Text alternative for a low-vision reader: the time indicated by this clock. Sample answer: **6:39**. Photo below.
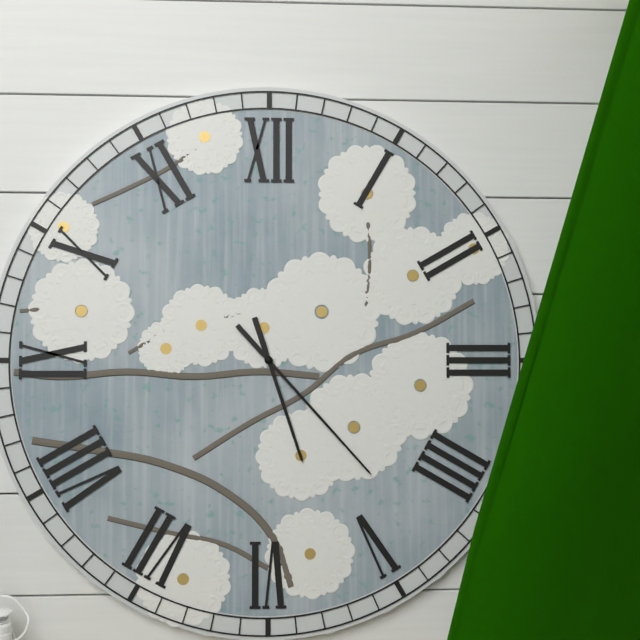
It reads **5:23**
